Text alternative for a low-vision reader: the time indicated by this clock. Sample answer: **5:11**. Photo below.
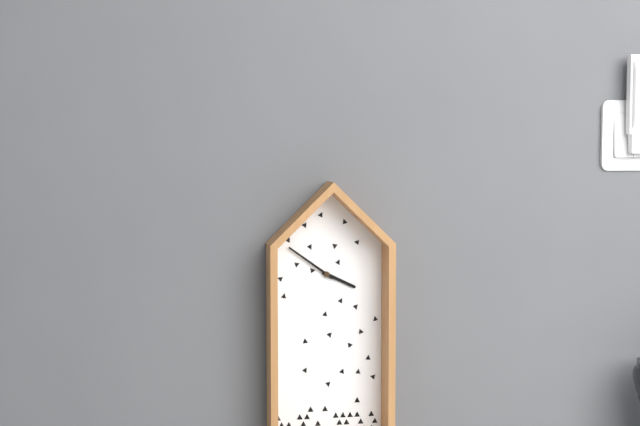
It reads **3:51**
